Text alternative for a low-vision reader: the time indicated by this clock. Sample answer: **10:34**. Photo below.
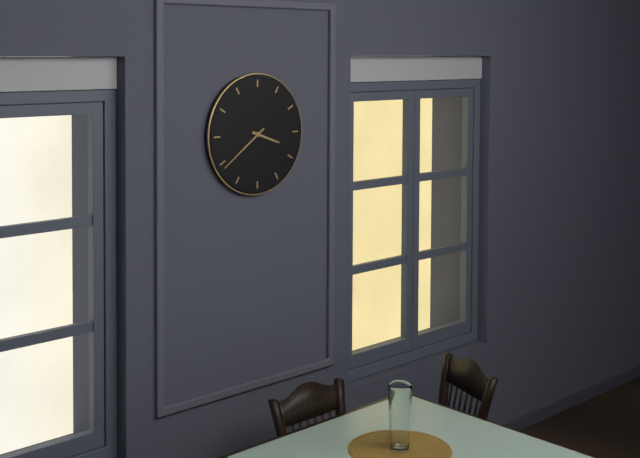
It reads **3:39**
